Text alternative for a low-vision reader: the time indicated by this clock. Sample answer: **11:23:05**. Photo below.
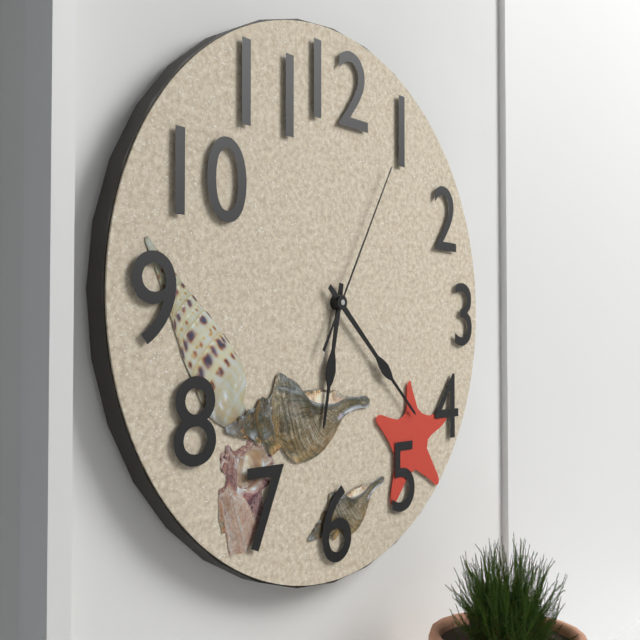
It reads **6:22:05**
